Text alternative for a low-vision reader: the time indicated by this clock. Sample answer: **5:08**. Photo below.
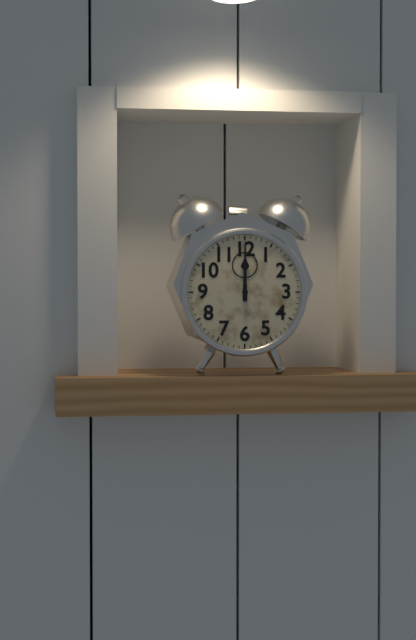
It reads **12:00**
